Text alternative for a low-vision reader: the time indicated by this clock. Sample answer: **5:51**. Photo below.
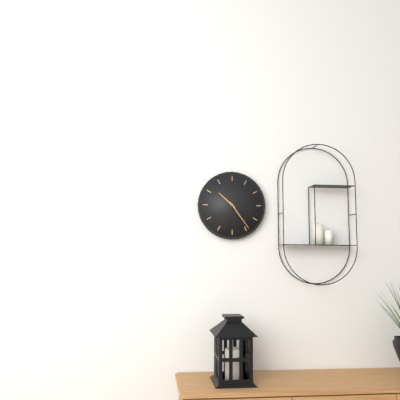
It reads **10:24**
